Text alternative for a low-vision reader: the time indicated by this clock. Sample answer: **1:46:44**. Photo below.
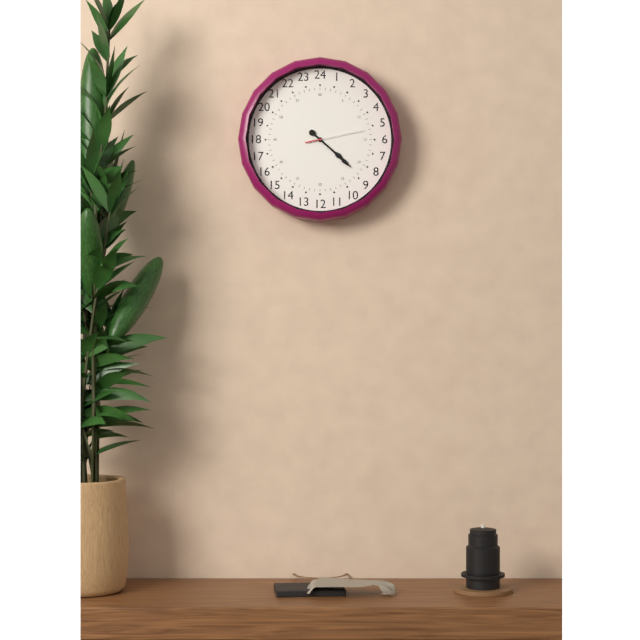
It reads **4:22:13**
